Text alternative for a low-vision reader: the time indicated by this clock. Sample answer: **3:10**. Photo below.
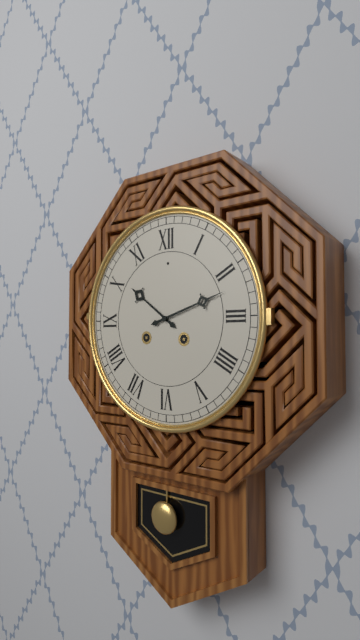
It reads **10:12**
